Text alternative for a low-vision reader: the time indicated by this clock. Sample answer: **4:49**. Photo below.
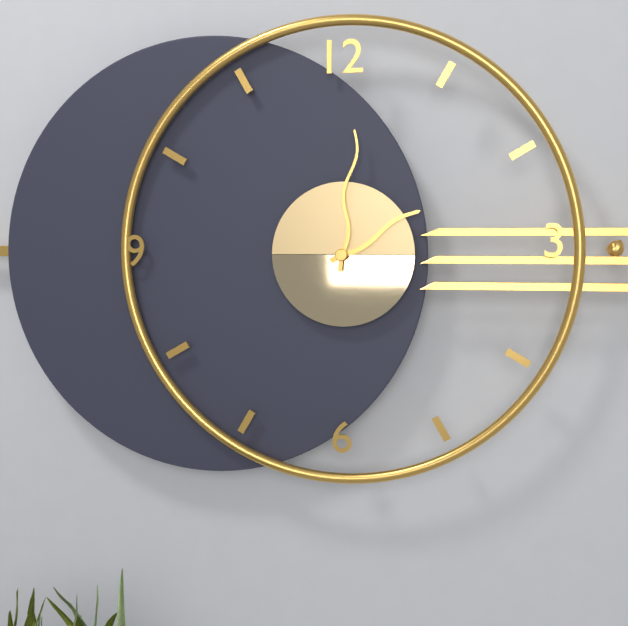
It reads **2:01**
